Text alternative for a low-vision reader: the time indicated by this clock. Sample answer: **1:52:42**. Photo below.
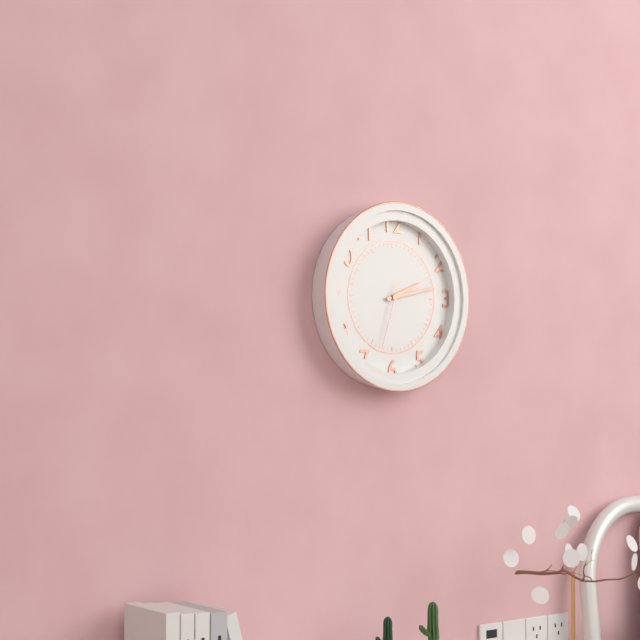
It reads **2:13:33**
